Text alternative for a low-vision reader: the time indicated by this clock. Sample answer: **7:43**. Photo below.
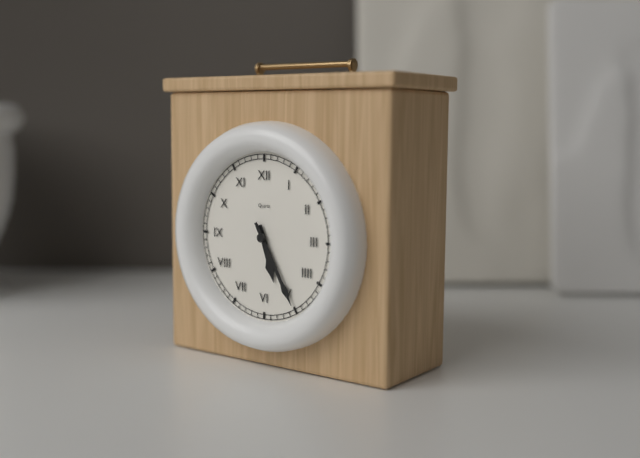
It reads **5:25**
